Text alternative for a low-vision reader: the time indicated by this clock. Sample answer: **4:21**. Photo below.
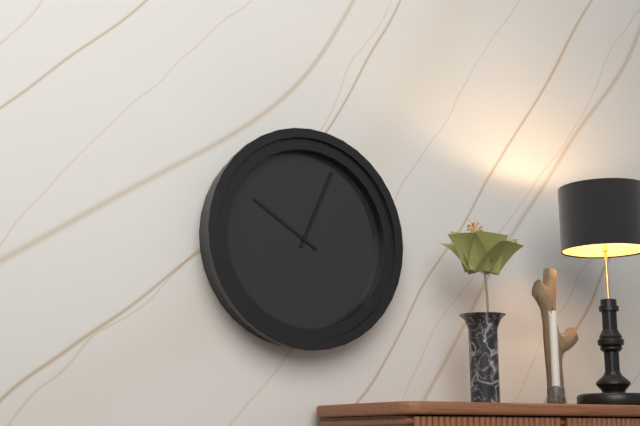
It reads **10:04**
